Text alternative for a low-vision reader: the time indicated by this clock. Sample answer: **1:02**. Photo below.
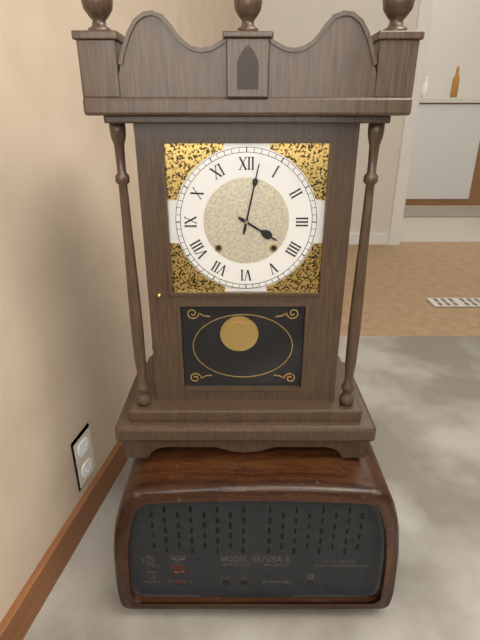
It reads **4:02**
